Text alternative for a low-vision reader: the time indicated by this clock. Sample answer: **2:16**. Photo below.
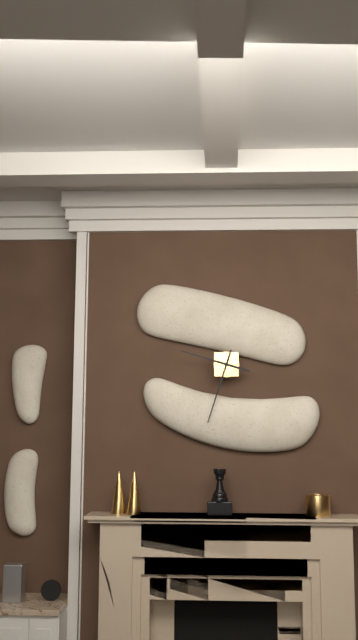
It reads **9:33**
